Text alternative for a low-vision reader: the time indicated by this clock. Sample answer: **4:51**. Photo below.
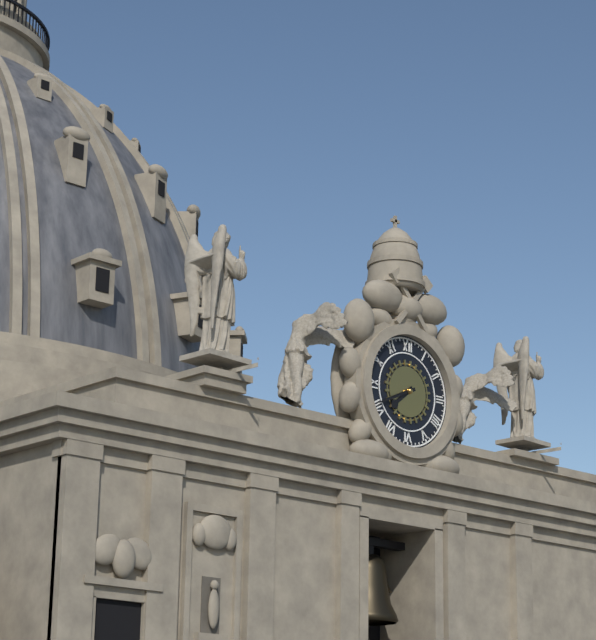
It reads **7:41**
